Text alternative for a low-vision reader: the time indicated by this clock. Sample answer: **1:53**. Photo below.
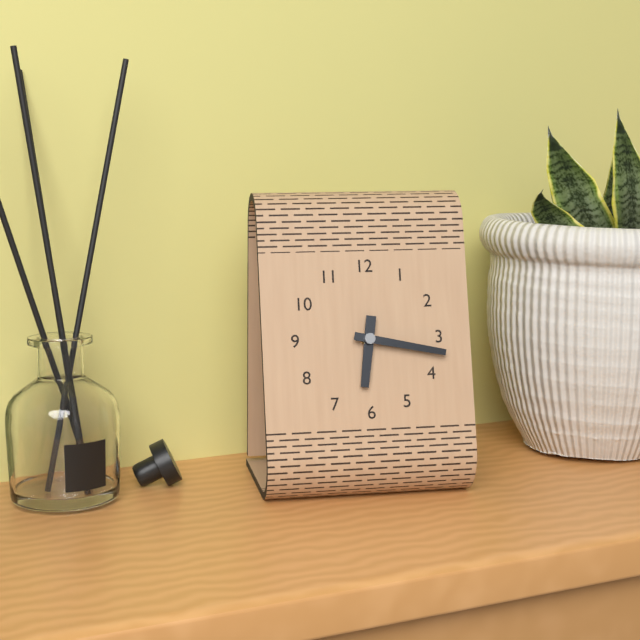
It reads **6:17**
